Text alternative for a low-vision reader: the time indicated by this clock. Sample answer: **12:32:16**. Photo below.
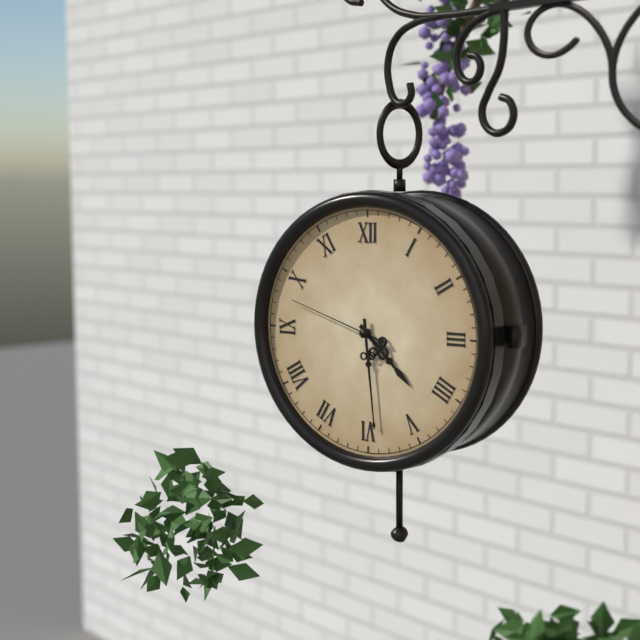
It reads **4:29:48**
